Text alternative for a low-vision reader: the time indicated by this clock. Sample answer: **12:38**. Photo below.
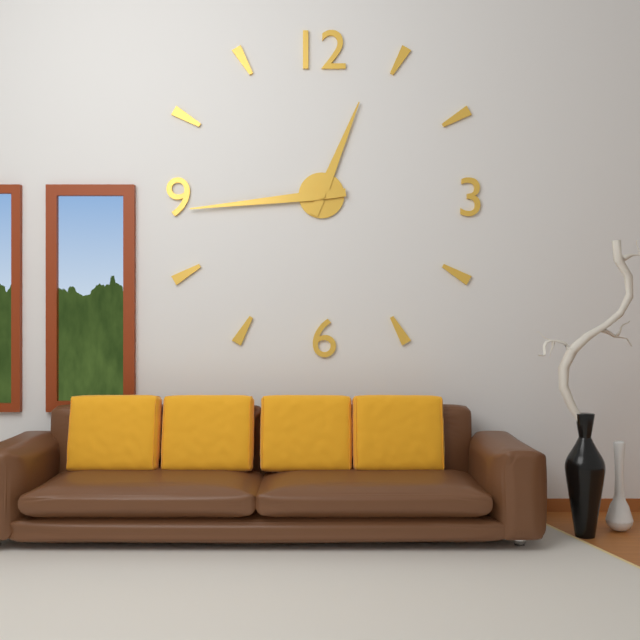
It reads **12:44**
